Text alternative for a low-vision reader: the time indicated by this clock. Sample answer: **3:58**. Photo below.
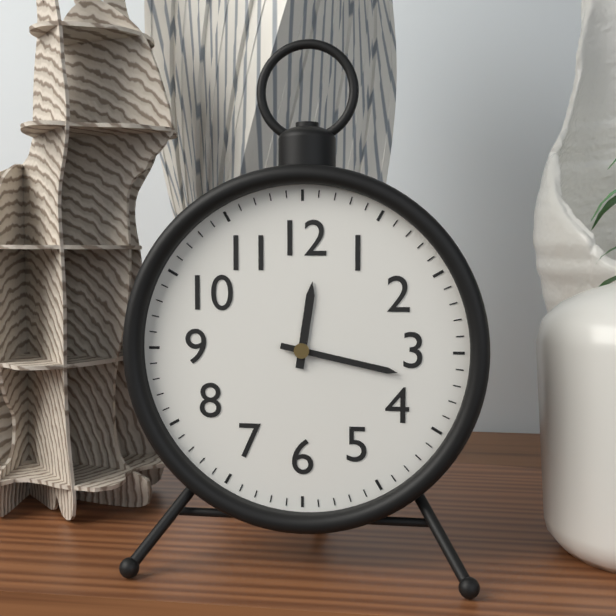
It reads **12:17**
